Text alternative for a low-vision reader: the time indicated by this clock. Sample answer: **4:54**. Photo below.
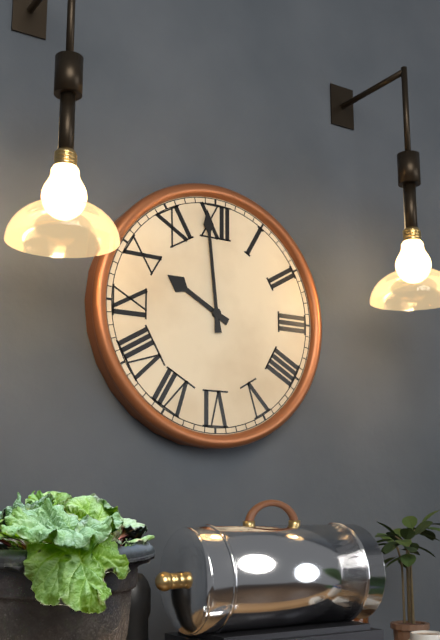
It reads **9:59**
